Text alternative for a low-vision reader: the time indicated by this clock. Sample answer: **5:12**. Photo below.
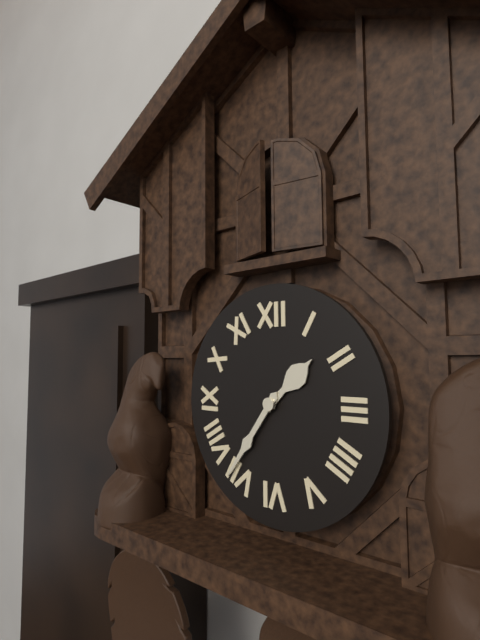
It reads **1:36**
